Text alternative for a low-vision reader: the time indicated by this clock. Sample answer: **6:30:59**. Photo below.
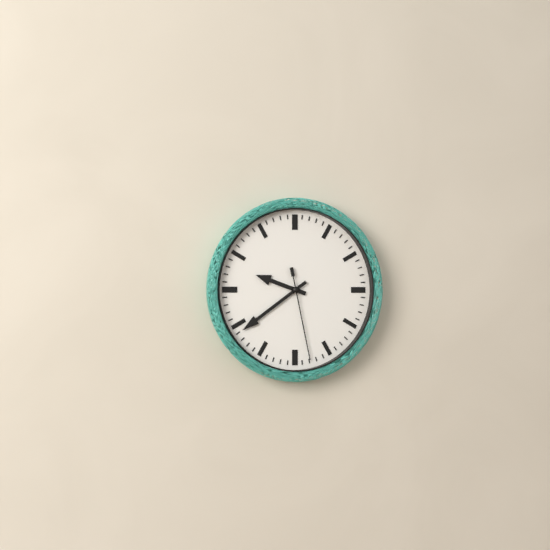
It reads **9:39:28**
